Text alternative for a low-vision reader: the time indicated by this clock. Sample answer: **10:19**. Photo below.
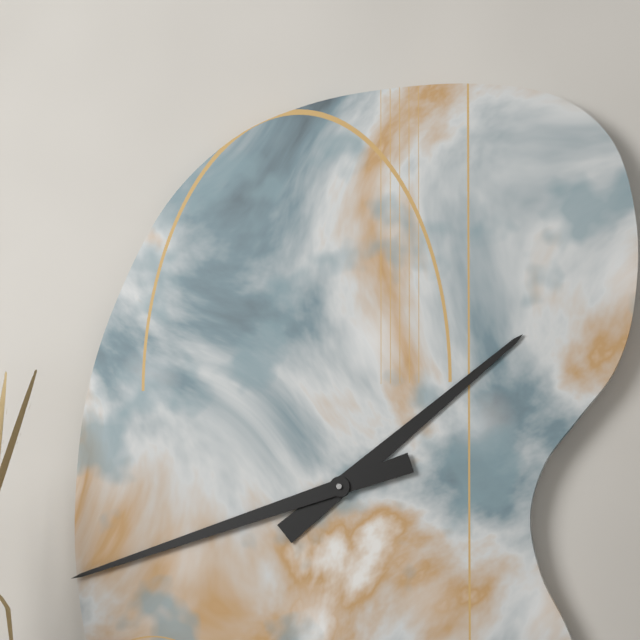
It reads **1:42**
